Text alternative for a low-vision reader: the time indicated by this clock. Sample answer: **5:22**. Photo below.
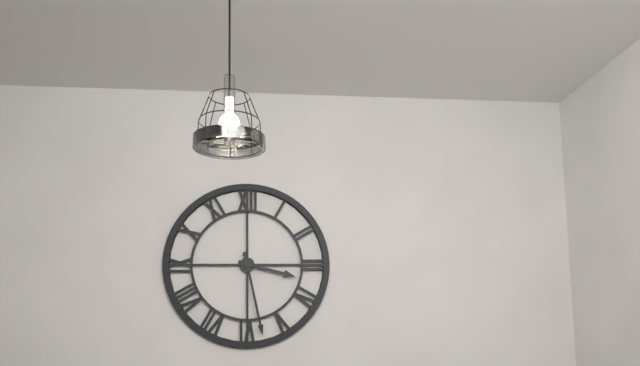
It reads **3:28**
